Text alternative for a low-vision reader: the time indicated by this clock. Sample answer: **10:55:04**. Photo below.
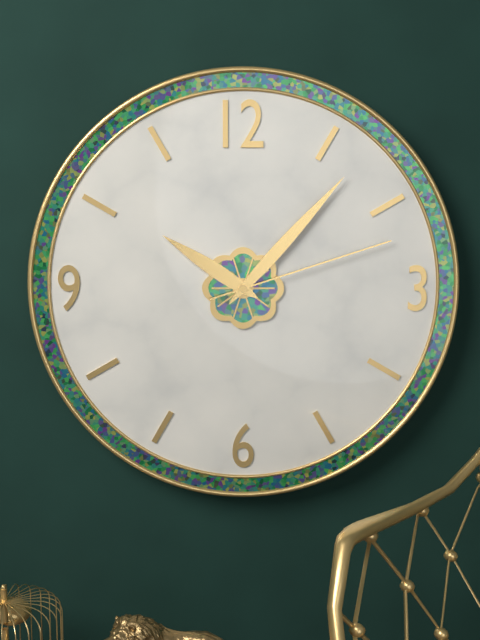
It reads **10:07:12**
